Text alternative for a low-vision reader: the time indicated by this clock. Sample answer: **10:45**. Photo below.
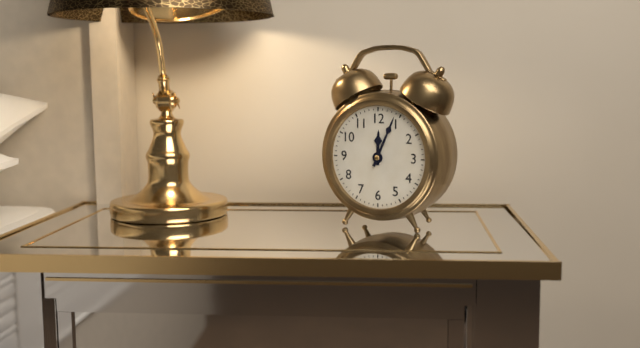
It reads **12:04**
